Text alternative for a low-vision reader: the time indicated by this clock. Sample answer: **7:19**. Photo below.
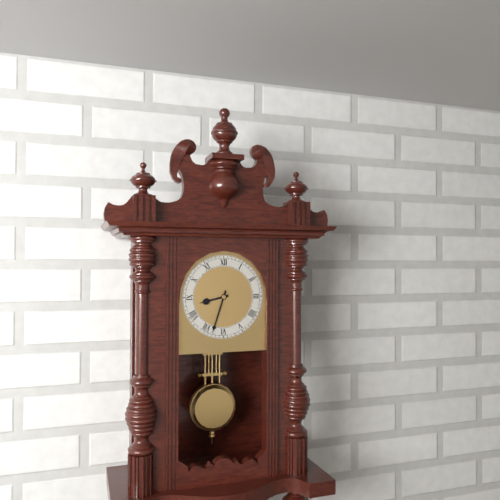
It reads **8:33**
